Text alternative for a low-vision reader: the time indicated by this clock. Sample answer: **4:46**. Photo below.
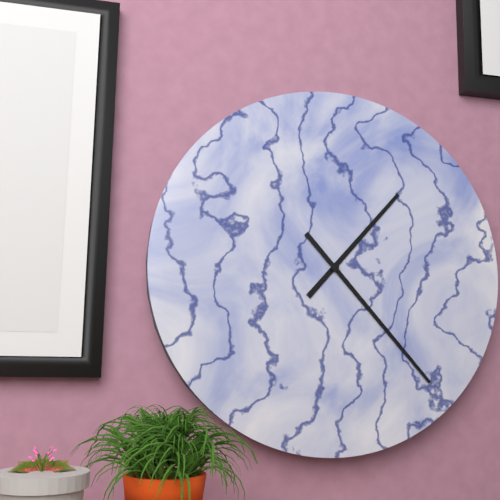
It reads **1:23**
